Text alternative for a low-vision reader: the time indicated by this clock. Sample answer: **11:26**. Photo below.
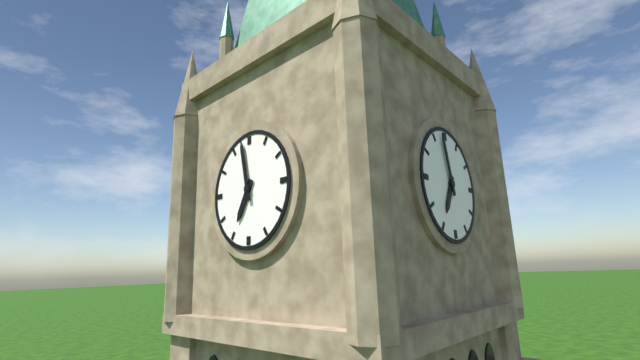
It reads **6:58**
